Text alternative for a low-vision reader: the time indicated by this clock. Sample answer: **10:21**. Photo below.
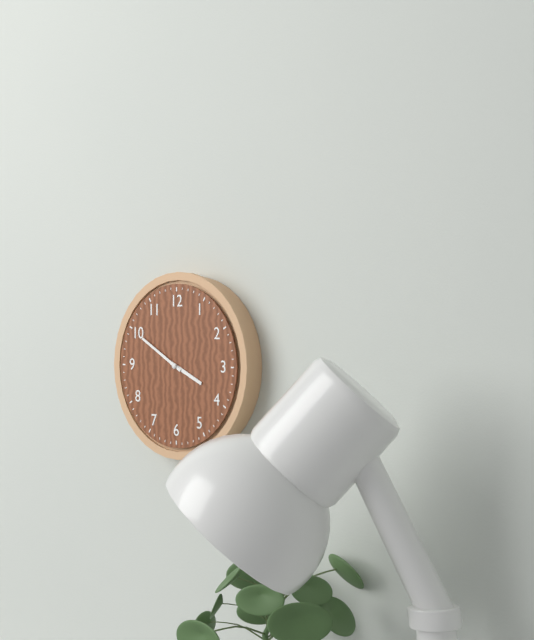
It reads **3:50**
